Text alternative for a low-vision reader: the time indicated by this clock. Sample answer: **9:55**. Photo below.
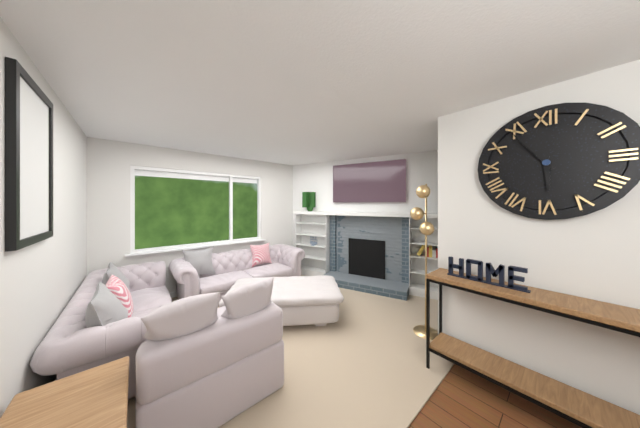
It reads **5:54**
